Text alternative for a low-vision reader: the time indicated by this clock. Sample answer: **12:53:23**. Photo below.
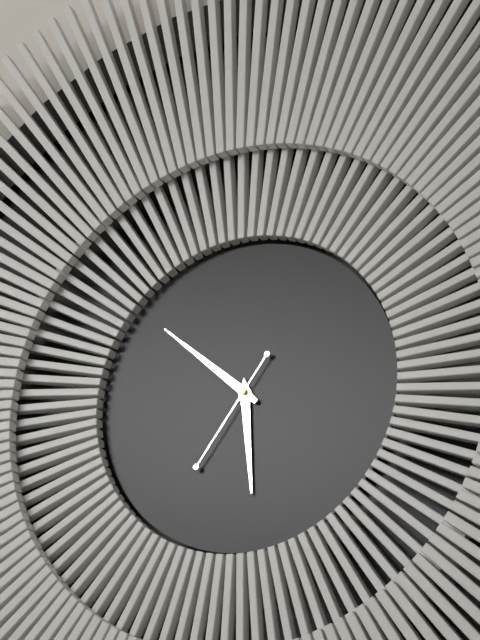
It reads **5:52:36**
